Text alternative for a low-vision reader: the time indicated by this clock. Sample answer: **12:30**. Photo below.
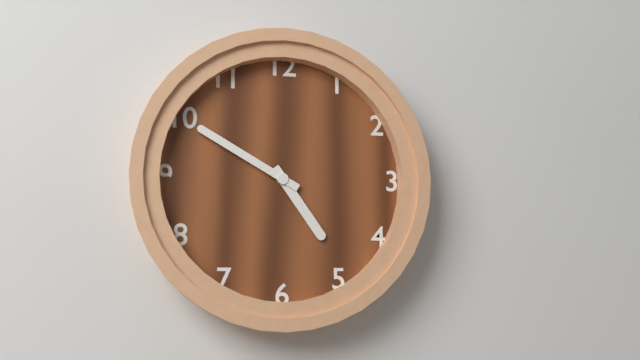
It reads **4:50**
